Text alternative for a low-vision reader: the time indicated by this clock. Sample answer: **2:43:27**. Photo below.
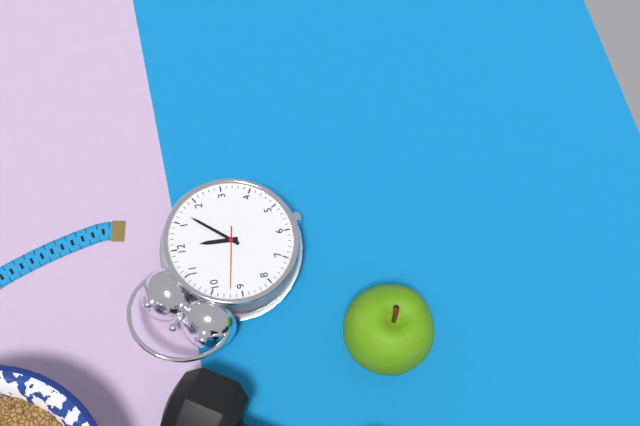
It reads **12:07:47**
